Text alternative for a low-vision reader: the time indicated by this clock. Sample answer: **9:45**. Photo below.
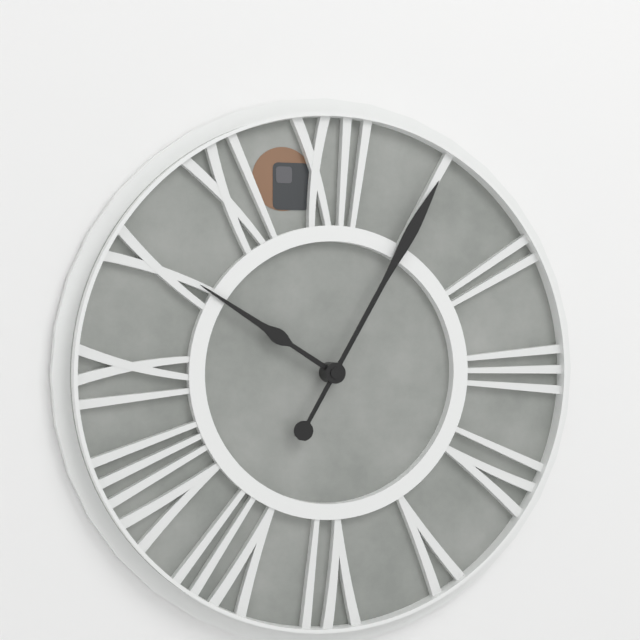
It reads **10:05**
